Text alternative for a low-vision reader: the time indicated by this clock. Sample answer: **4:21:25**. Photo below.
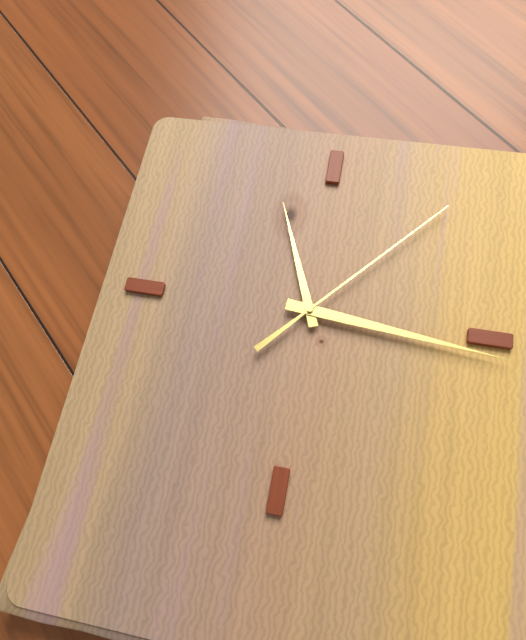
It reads **11:16:07**
